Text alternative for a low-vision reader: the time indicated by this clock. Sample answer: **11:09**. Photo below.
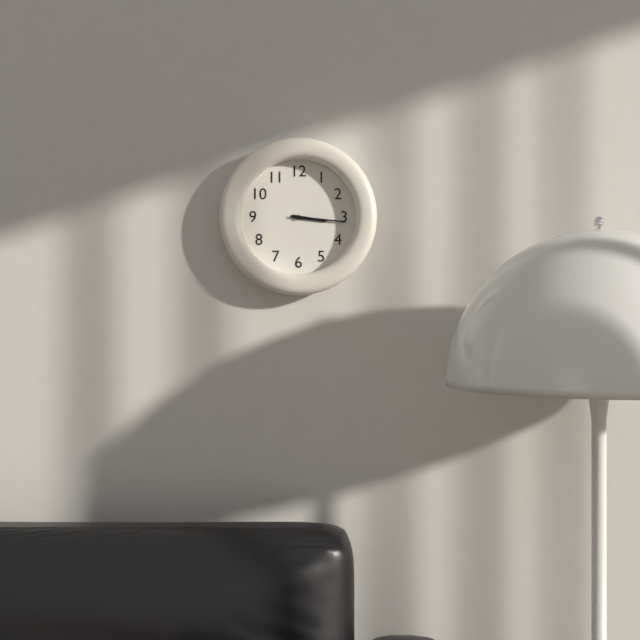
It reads **3:16**
